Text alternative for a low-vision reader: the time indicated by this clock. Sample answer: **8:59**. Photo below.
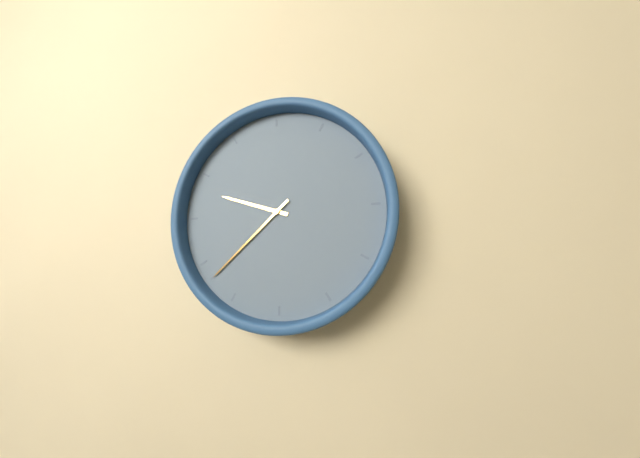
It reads **9:38**
